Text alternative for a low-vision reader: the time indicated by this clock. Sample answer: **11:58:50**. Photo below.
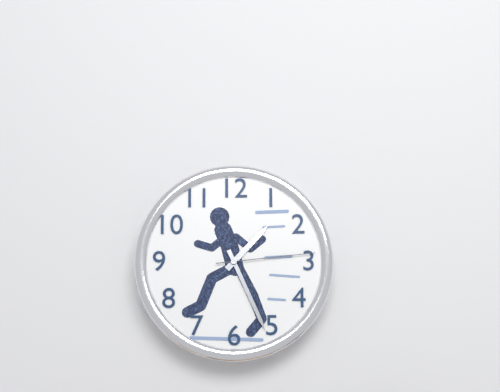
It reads **1:26:14**
